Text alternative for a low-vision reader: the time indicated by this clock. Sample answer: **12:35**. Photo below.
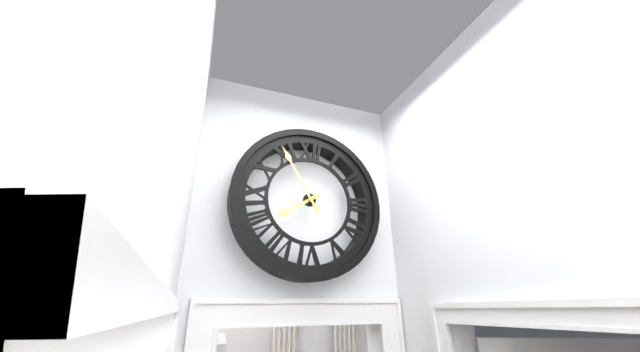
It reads **7:55**
